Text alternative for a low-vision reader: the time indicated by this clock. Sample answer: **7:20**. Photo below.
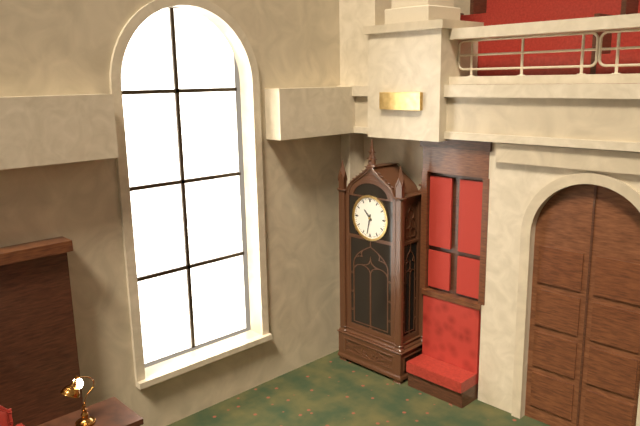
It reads **10:32**
